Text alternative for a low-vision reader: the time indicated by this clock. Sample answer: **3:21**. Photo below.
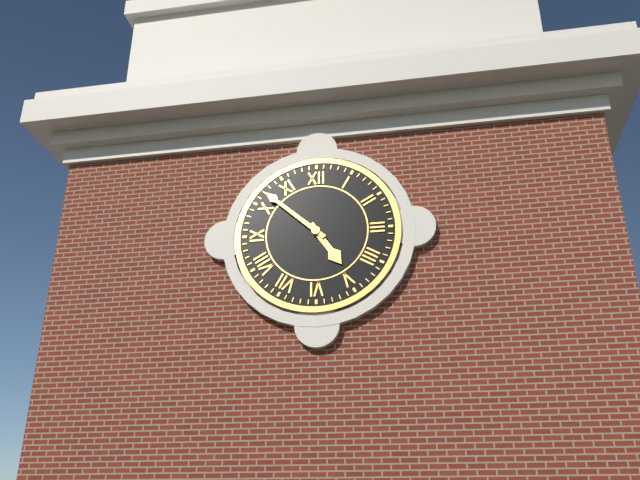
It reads **4:52**
